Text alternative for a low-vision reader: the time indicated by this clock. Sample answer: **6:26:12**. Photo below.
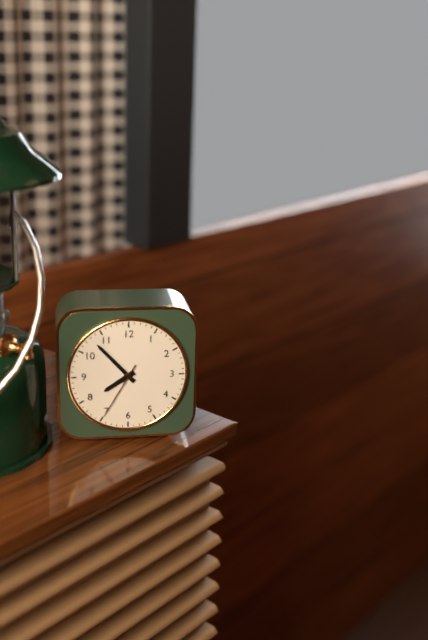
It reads **7:53:35**
